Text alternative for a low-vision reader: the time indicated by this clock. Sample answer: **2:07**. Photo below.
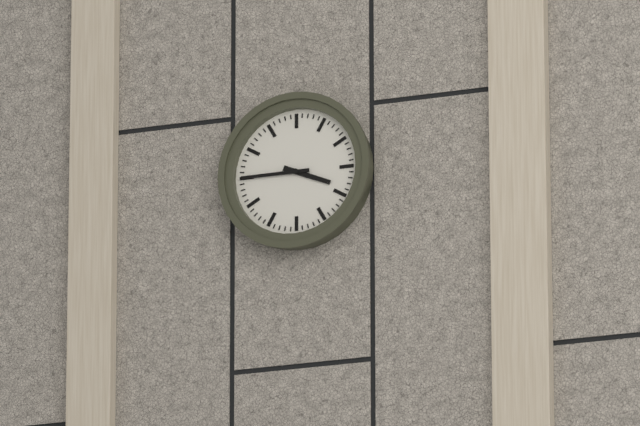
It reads **3:45**
